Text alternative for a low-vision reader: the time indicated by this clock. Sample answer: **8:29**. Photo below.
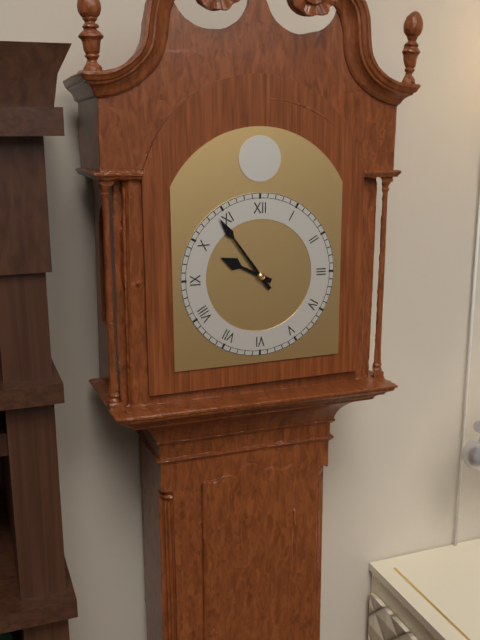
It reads **9:54**
